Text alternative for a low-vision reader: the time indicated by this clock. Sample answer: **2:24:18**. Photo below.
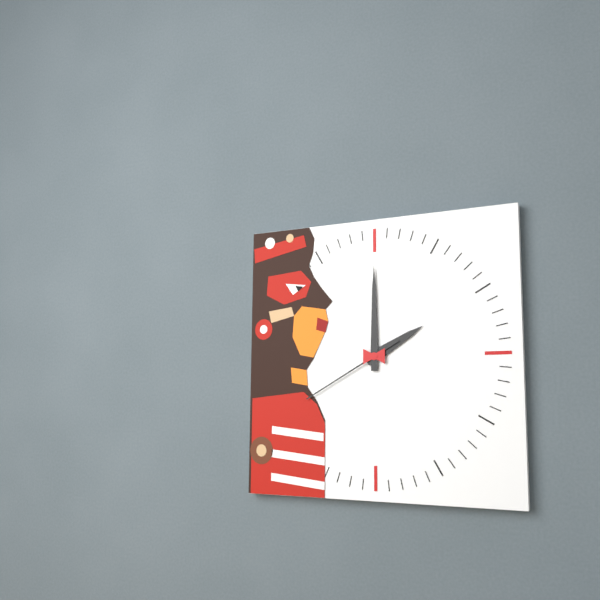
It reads **2:00:40**
